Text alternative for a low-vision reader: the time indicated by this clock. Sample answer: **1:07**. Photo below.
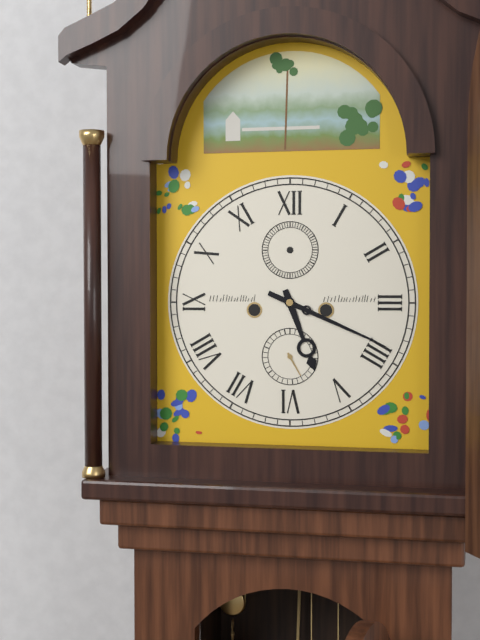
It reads **5:19**
